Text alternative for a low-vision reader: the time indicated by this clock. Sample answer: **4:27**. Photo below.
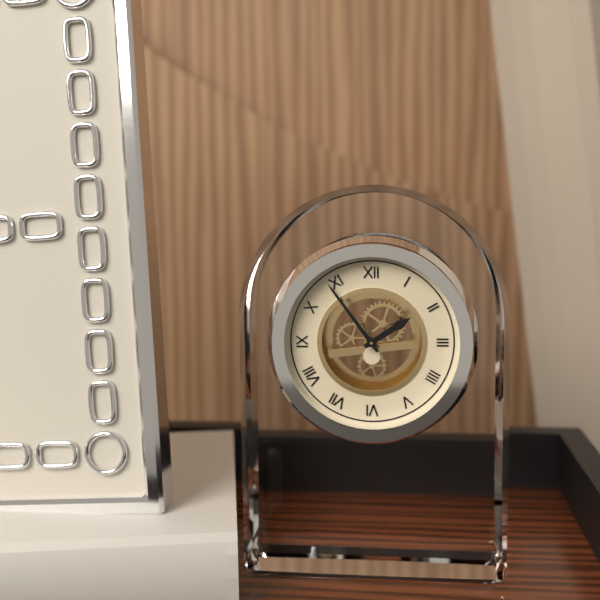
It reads **1:54**
